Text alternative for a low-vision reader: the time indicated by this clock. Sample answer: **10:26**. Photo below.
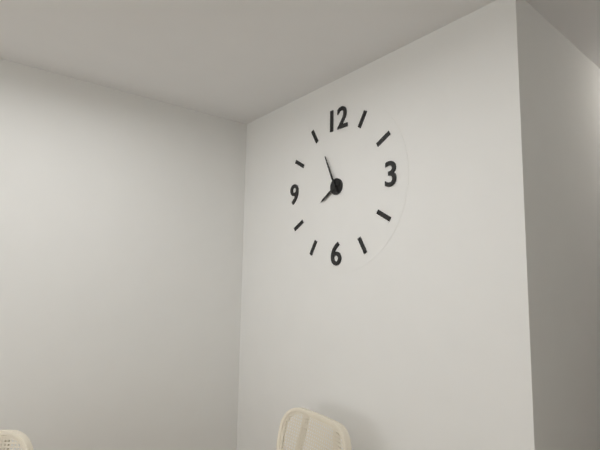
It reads **7:56**
